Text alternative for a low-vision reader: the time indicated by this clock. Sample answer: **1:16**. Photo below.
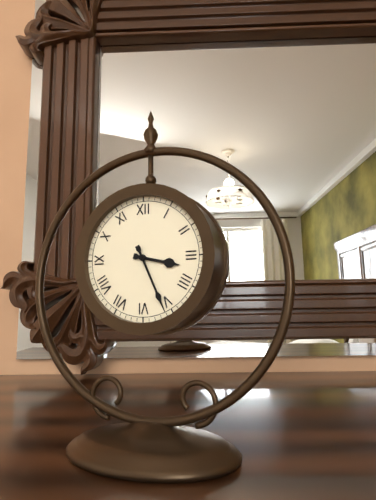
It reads **3:26**
